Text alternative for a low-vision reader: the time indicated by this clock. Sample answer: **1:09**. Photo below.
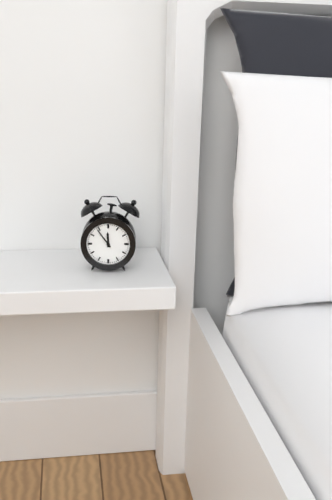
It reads **11:54**
